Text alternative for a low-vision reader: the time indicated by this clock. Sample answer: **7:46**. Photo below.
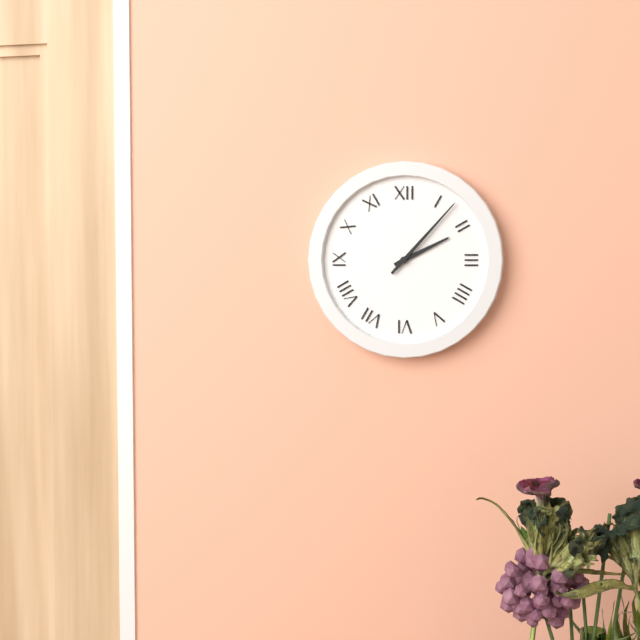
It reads **2:07**
